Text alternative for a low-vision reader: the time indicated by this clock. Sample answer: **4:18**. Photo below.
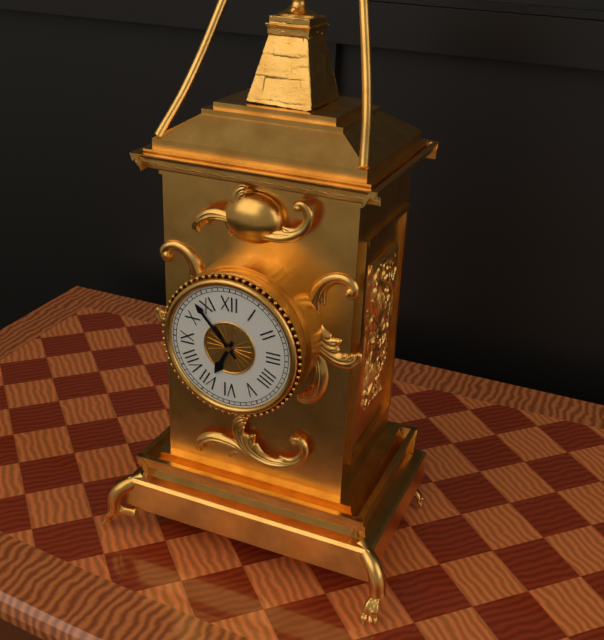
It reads **6:53**
